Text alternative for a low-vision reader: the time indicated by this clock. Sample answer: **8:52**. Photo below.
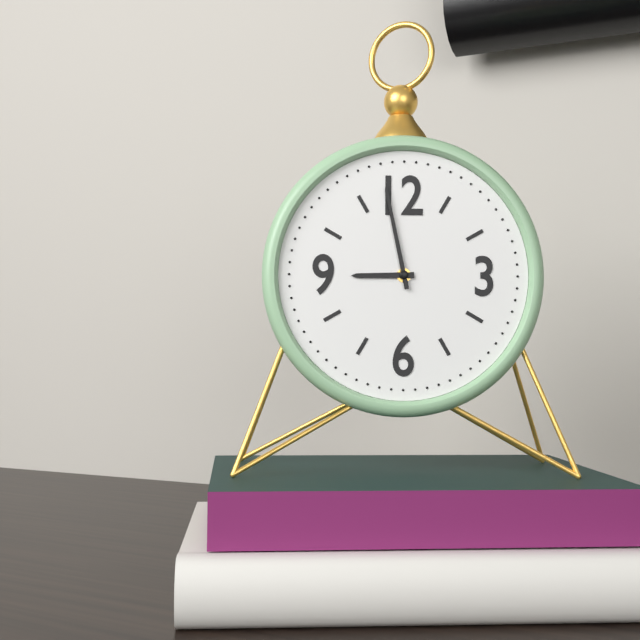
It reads **8:58**
